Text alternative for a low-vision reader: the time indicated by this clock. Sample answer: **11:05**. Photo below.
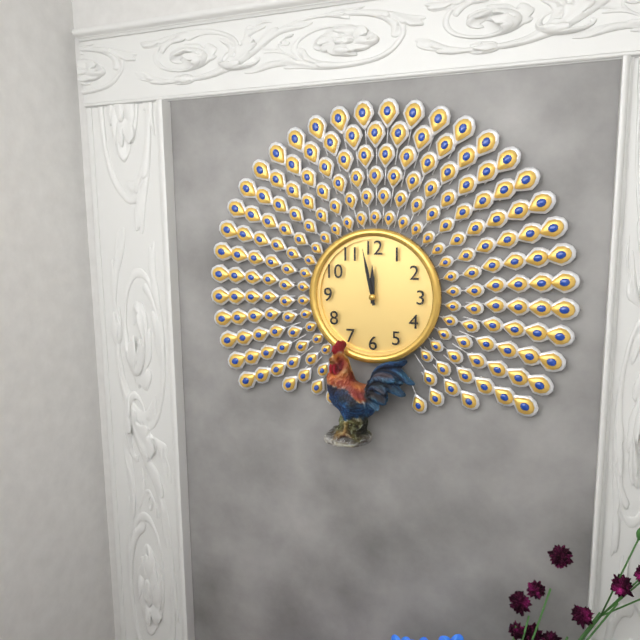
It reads **11:58**
